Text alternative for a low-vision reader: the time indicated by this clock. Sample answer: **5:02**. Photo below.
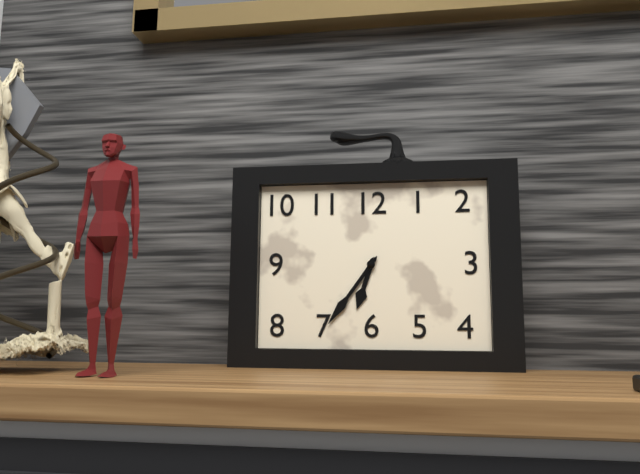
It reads **6:36**
